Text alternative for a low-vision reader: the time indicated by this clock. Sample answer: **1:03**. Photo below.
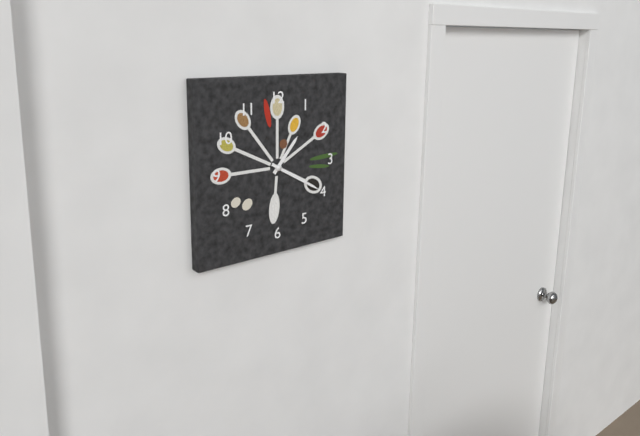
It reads **1:20**
